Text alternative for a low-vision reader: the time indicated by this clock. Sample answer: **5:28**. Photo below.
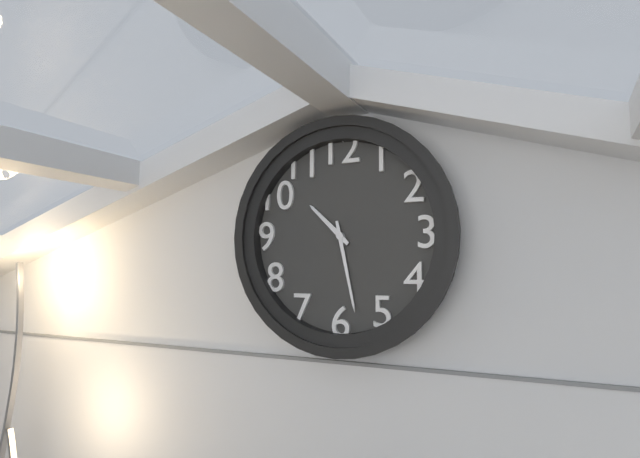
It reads **10:28**
